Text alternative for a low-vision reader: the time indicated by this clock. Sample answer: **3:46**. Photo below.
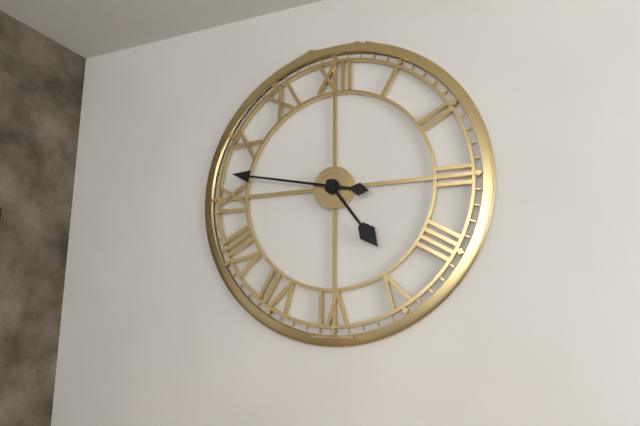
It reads **4:47**
